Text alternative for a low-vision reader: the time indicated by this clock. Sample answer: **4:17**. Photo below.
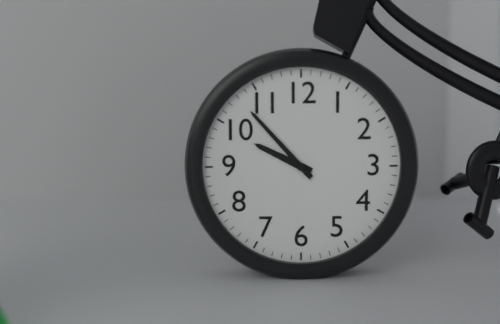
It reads **9:53**
